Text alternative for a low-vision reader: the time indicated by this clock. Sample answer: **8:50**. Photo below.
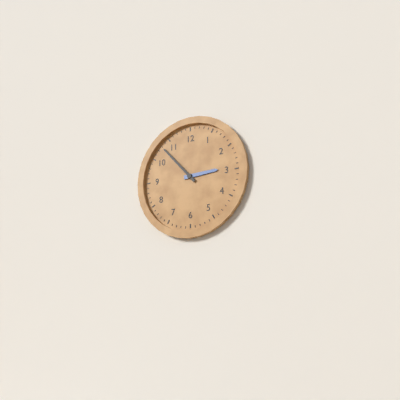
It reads **2:53**
